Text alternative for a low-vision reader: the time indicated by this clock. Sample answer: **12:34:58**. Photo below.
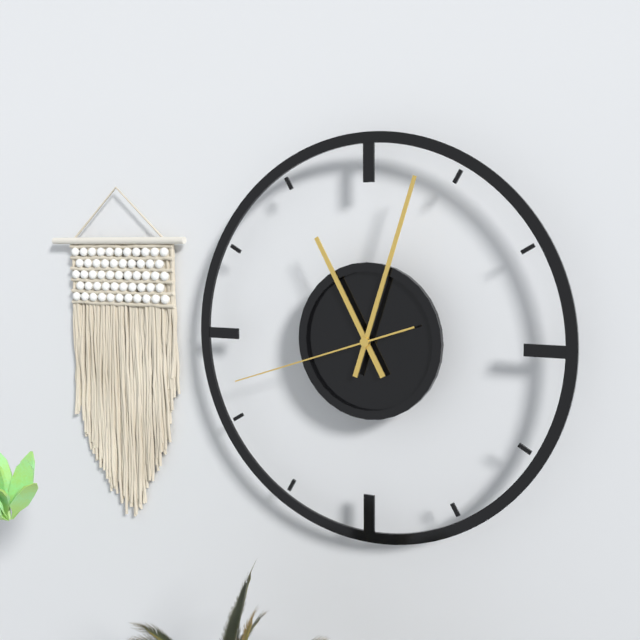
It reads **11:03:42**
